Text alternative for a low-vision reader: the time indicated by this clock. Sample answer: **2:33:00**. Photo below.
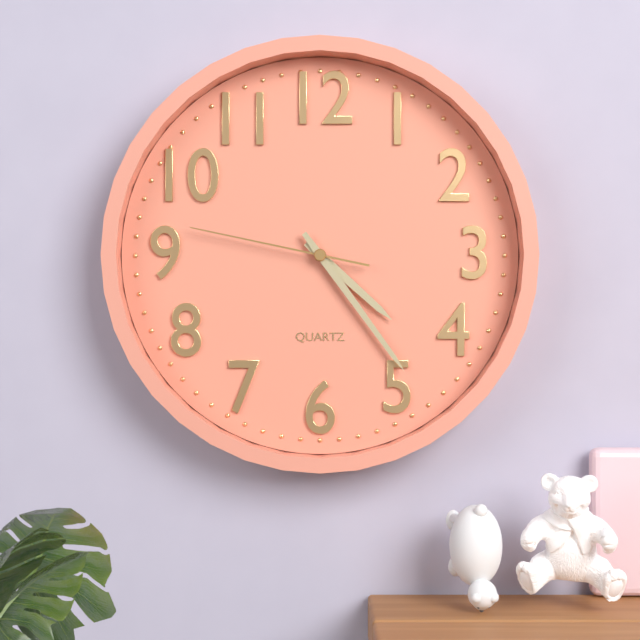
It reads **4:24:47**
